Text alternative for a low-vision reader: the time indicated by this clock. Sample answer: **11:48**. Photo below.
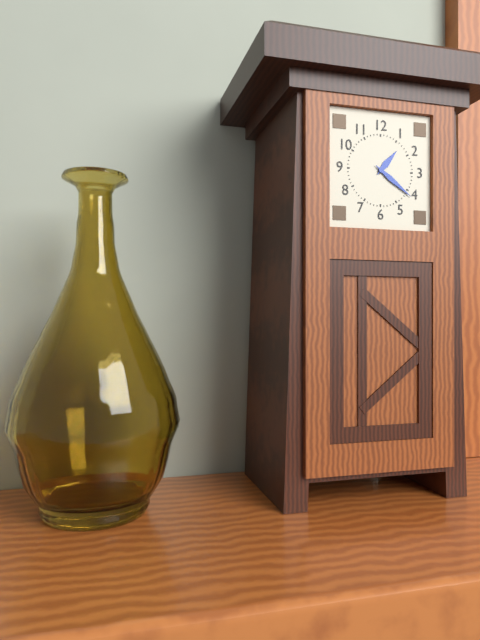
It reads **1:21**
